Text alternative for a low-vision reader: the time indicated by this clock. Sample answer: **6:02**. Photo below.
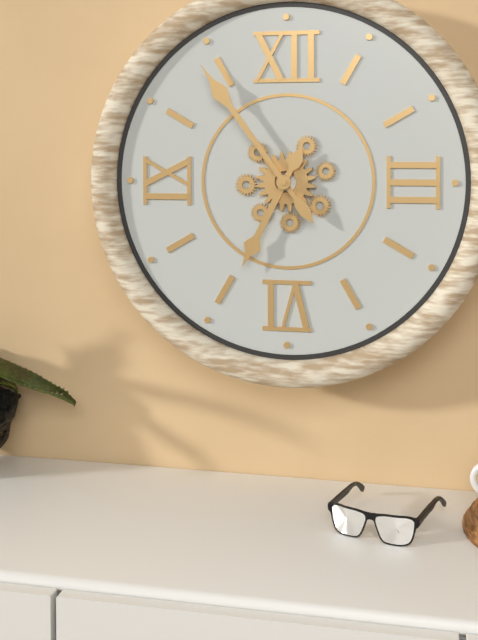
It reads **6:54**
